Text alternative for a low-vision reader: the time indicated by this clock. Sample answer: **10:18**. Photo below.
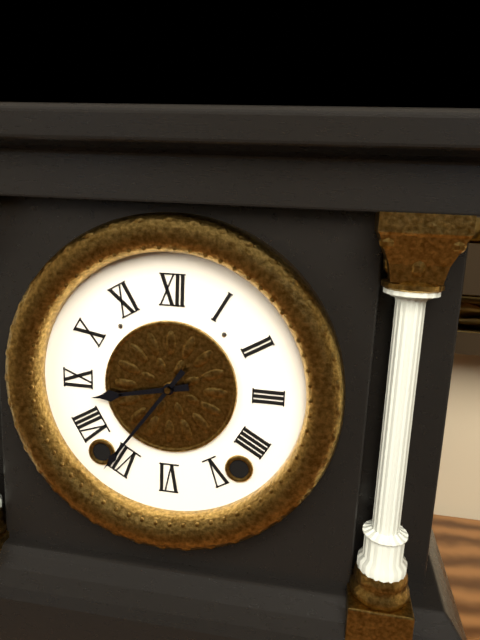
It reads **8:36**
